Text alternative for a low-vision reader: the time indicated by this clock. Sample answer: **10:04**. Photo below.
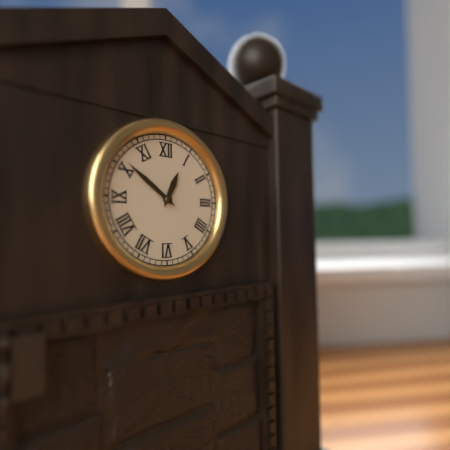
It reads **12:51**
